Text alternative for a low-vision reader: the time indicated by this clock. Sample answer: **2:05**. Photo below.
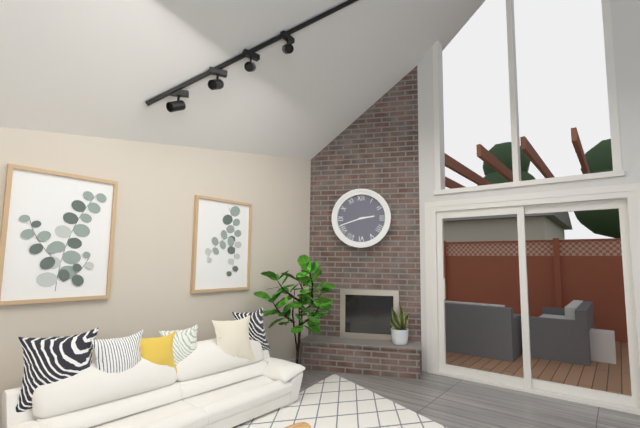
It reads **2:42**
